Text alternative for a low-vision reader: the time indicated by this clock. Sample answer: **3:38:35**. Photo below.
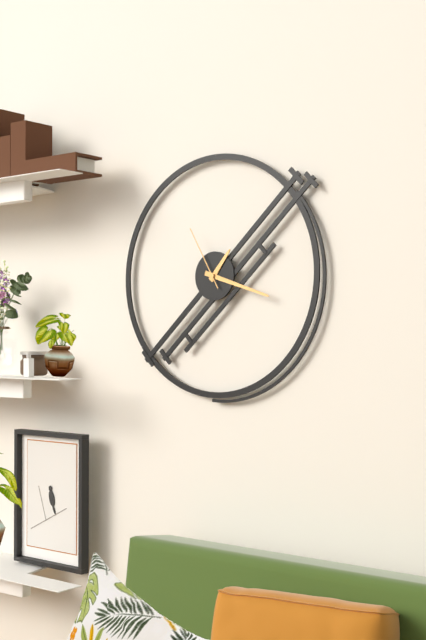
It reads **1:18:55**
